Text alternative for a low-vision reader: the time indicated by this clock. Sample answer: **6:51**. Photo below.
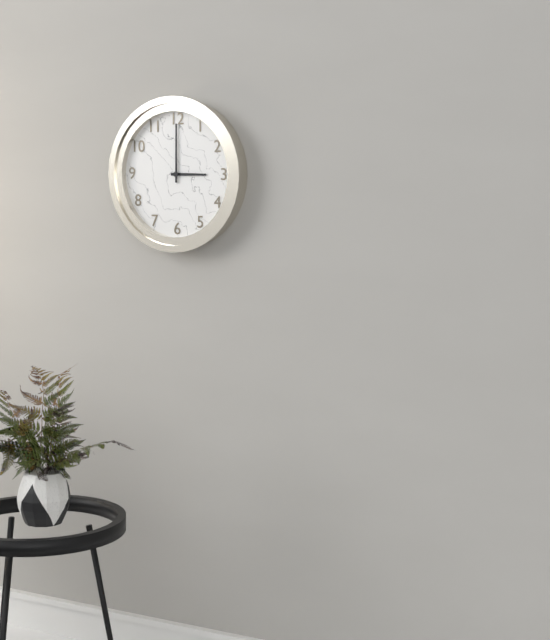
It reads **3:00**
